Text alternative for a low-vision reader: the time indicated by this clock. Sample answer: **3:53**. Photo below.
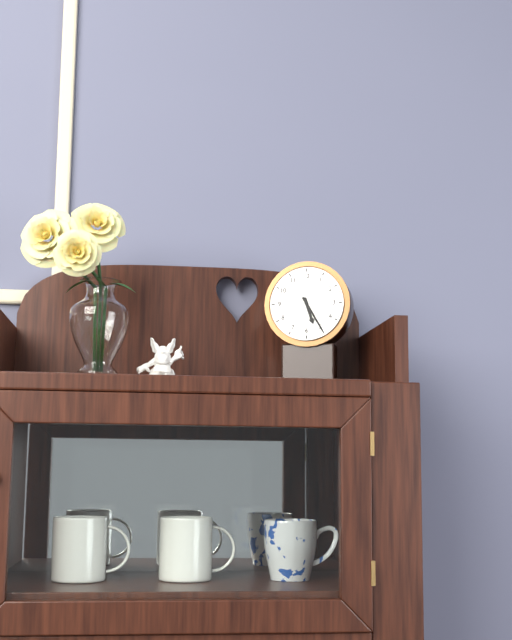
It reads **5:25**
